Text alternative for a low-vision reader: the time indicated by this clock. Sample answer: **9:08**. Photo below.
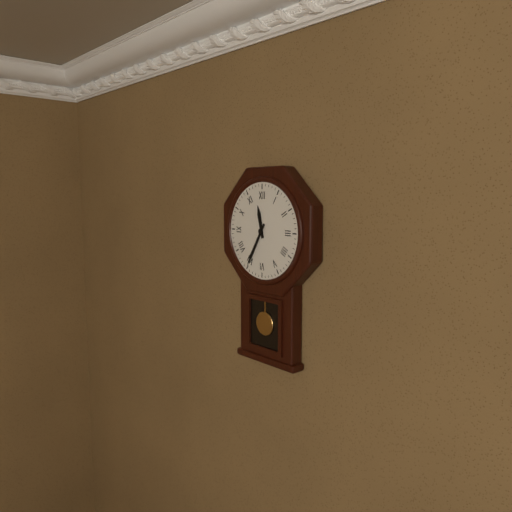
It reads **11:35**
